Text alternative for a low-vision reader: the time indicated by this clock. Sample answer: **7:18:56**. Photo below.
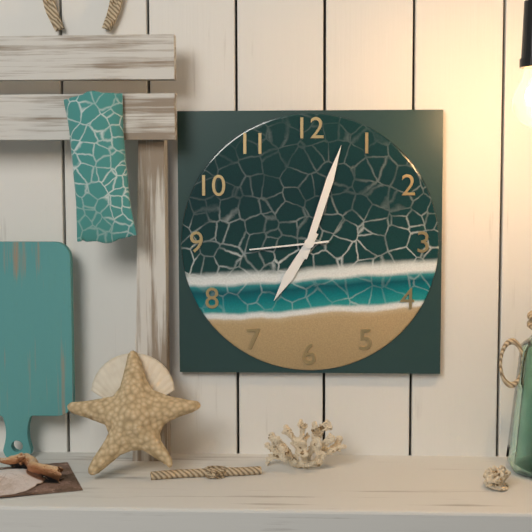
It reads **7:03:44**
